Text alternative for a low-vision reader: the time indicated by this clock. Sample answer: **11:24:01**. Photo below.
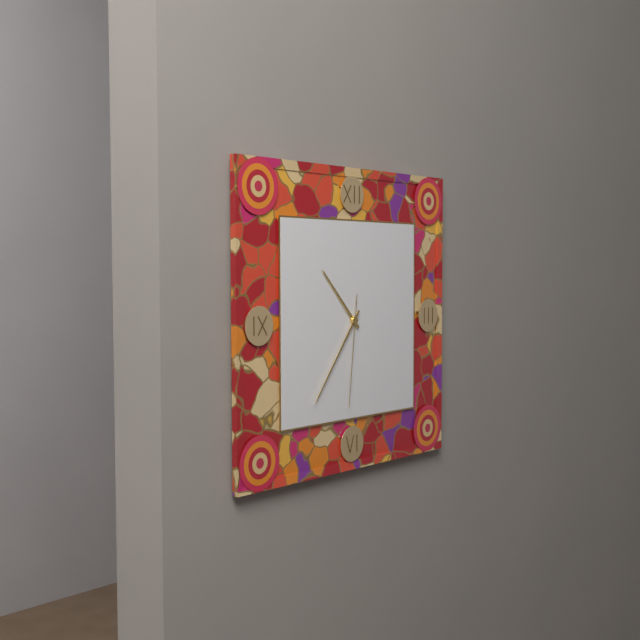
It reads **10:36:31**
